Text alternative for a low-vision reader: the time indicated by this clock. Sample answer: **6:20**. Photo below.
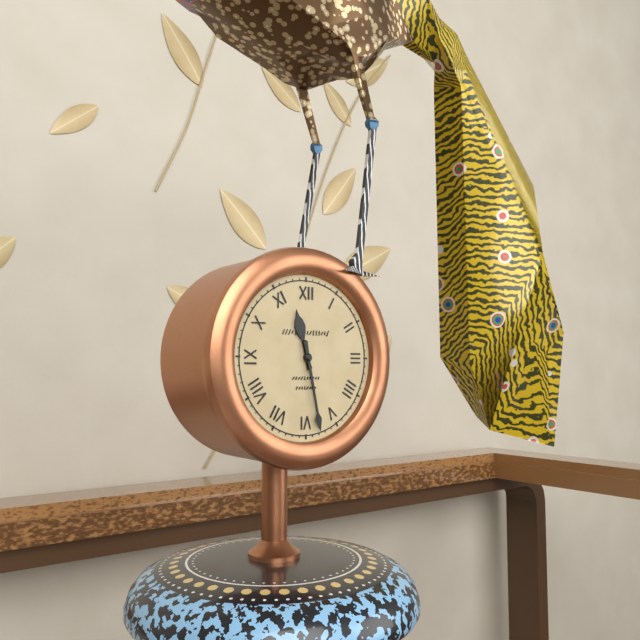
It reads **11:28**
